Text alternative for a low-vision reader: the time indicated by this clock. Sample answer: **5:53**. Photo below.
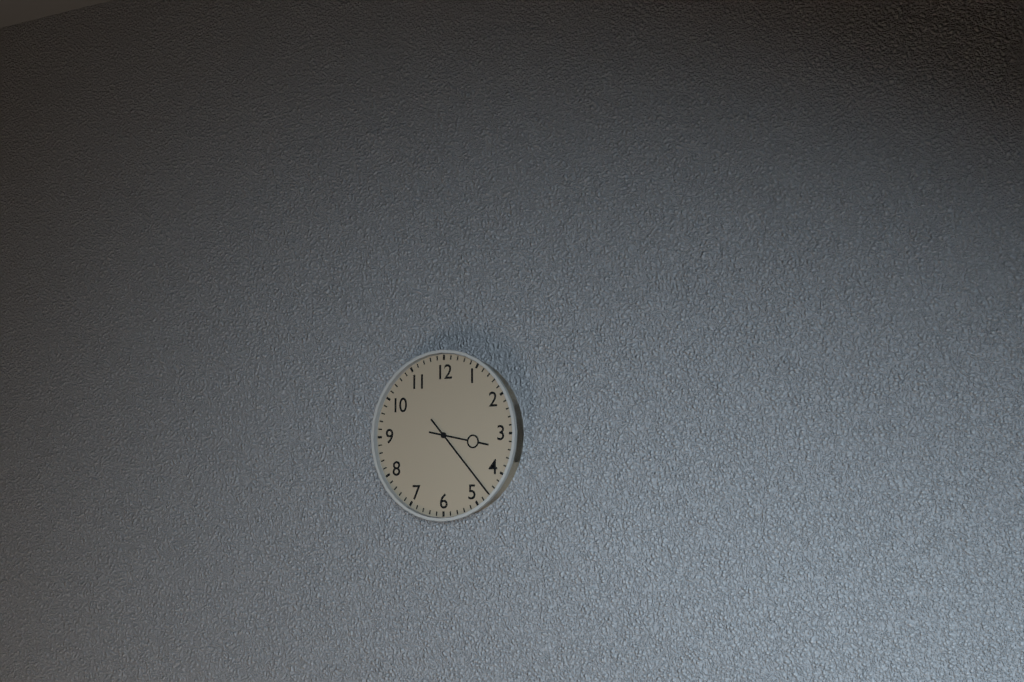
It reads **3:23**
